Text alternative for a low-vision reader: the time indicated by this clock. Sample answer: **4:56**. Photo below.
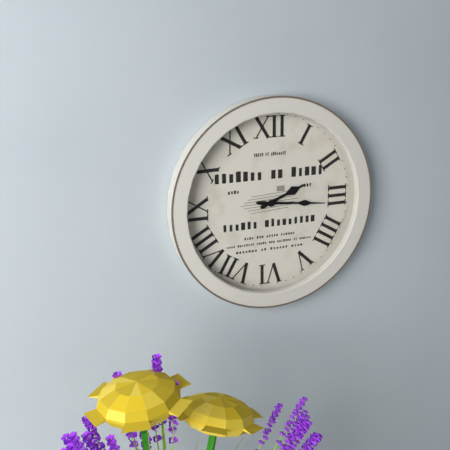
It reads **2:16**
